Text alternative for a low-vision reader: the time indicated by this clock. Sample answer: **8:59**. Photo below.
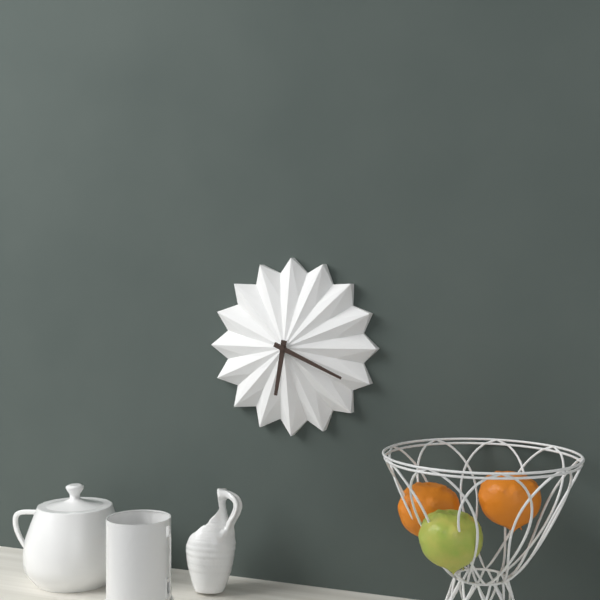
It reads **6:19**
